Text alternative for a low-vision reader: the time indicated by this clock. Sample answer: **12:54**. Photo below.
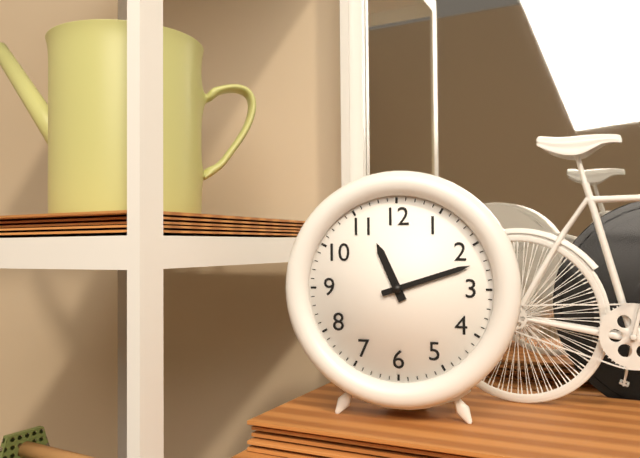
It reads **11:12**
